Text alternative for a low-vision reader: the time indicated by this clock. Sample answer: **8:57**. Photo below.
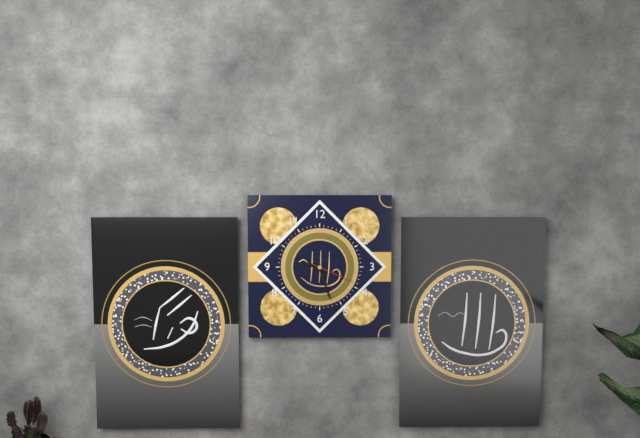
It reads **9:27**
